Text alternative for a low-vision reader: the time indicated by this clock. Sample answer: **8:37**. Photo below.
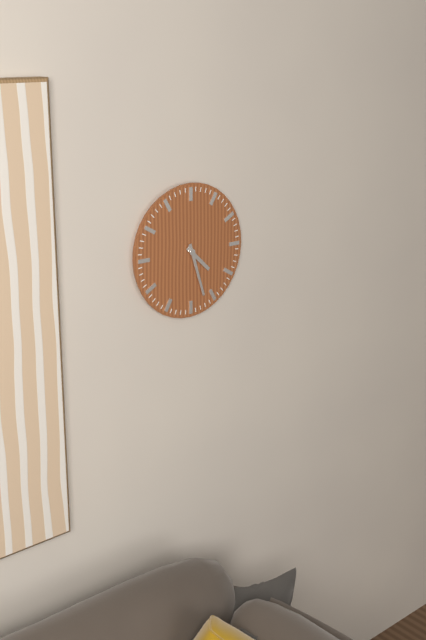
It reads **4:27**
